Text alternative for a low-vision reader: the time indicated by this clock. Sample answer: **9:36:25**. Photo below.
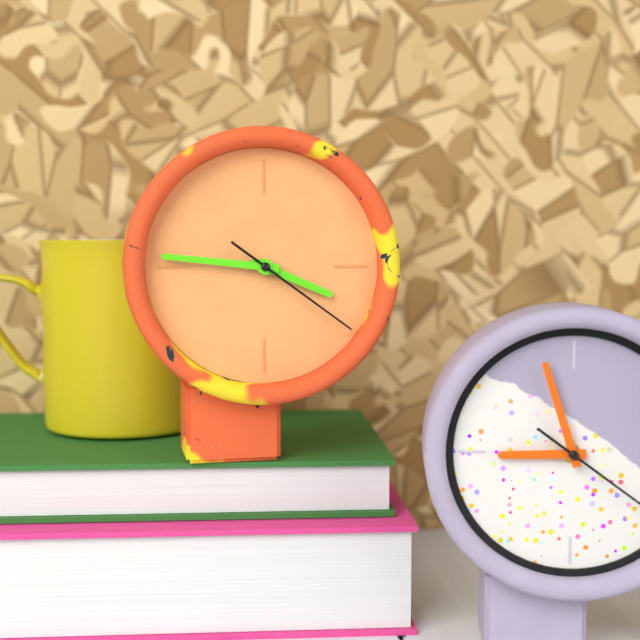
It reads **3:46:21**
